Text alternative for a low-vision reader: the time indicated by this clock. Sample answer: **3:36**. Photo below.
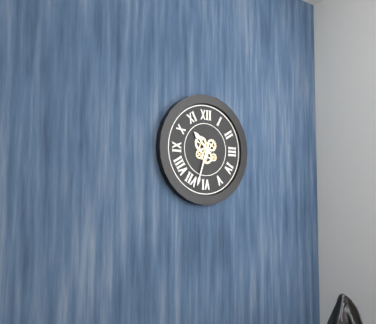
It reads **10:33**
